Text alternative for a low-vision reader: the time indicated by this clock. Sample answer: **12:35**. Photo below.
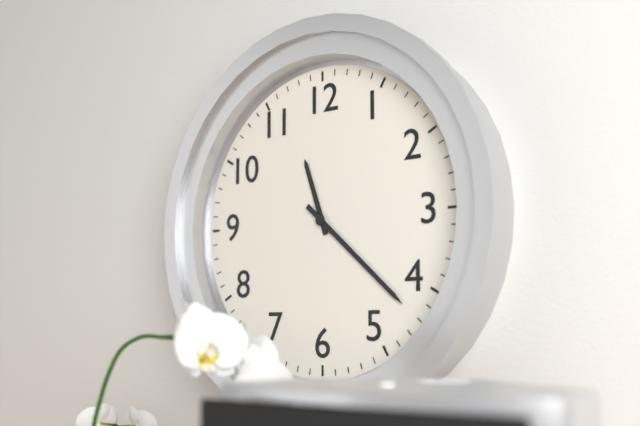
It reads **11:22**
